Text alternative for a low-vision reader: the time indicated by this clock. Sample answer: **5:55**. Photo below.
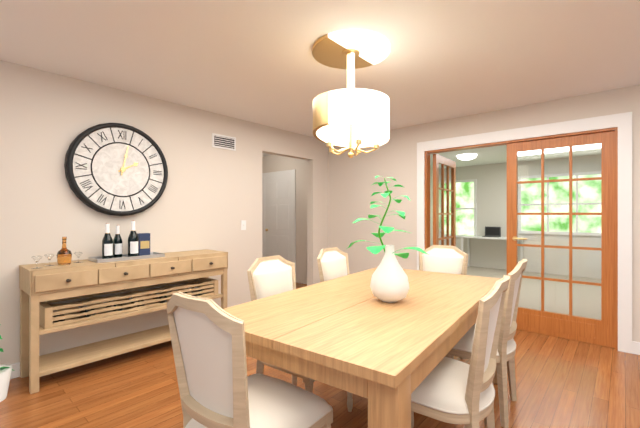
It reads **2:02**
